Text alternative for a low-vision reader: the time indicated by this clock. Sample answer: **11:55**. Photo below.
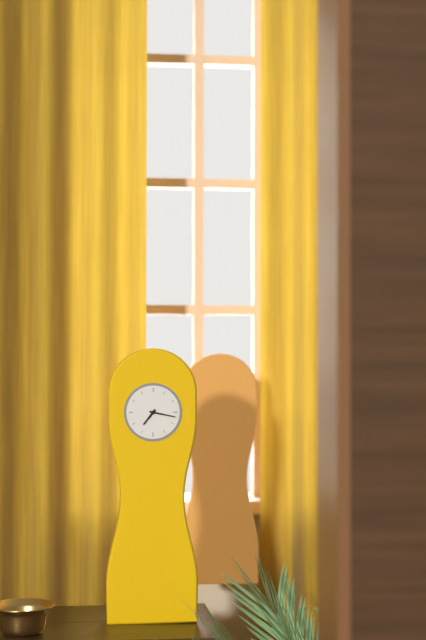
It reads **7:17**
